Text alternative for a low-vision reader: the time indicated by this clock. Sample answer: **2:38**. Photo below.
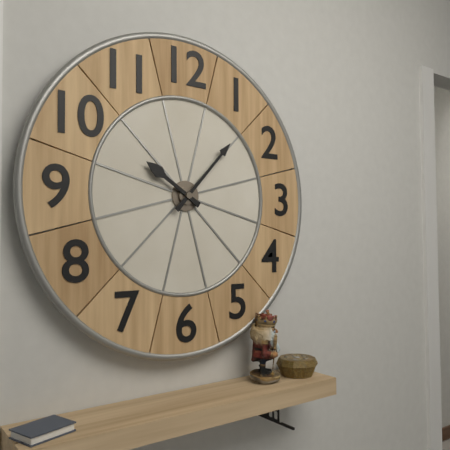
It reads **10:07**
